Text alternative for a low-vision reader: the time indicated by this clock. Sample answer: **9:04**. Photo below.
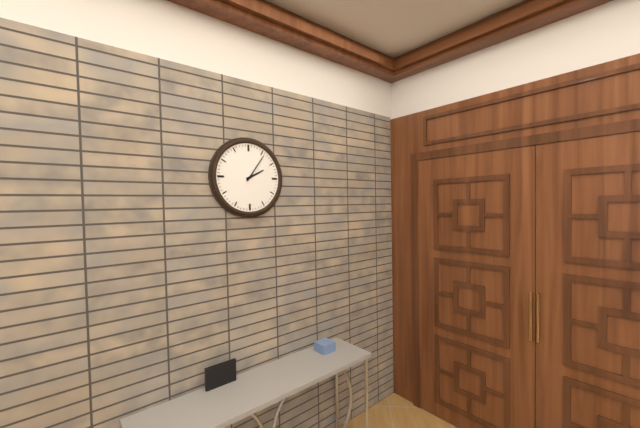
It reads **2:06**
